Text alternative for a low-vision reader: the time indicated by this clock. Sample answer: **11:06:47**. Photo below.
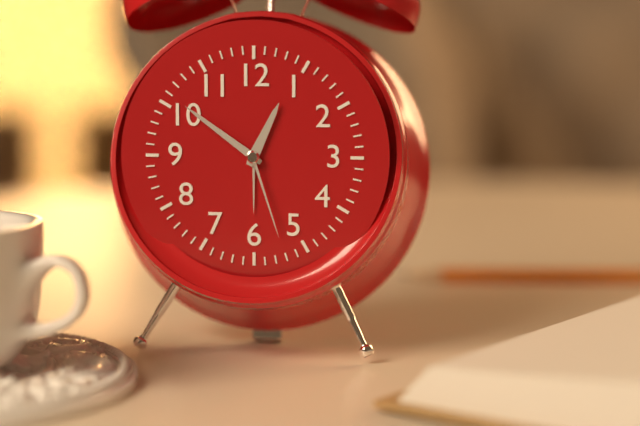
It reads **12:51:27**
